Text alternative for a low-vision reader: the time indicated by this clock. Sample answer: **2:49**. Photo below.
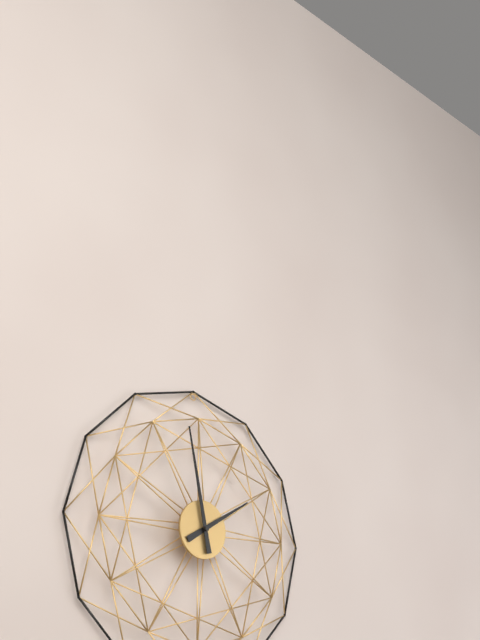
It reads **1:58**
